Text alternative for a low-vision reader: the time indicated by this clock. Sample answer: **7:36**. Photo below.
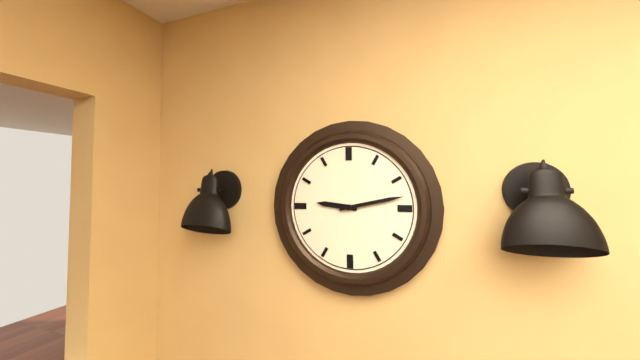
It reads **9:13**
